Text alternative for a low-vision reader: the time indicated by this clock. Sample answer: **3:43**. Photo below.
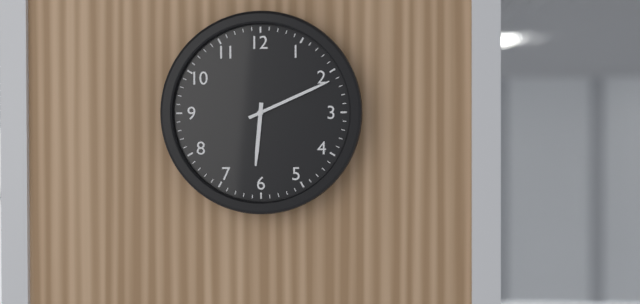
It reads **6:11**
